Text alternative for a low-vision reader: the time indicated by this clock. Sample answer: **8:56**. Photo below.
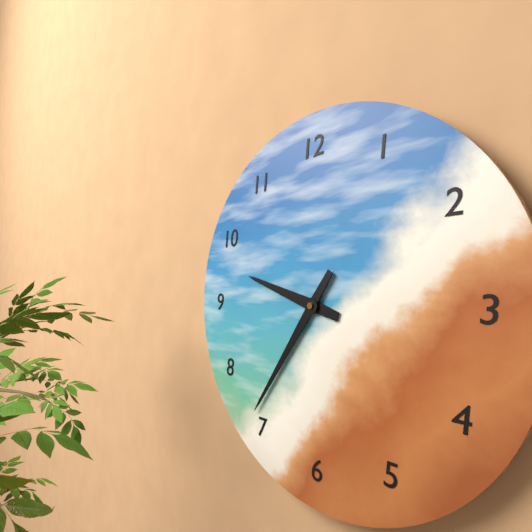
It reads **9:36**
